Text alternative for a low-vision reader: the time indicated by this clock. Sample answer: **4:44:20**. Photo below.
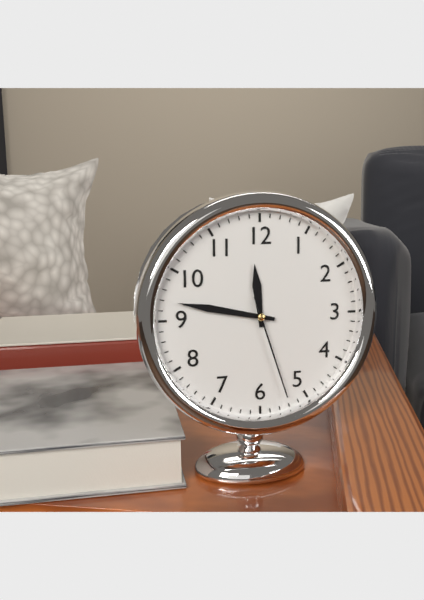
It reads **11:47:27**
